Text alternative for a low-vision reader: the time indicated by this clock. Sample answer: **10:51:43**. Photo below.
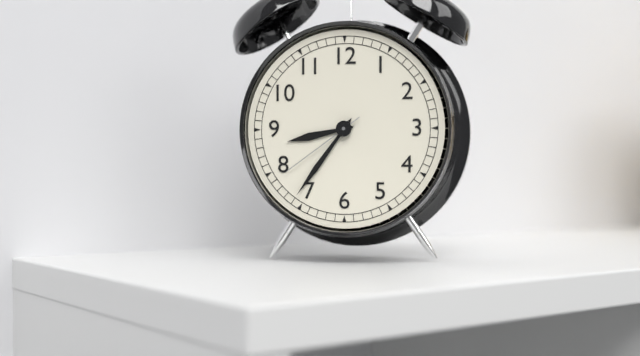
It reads **8:36:39**
